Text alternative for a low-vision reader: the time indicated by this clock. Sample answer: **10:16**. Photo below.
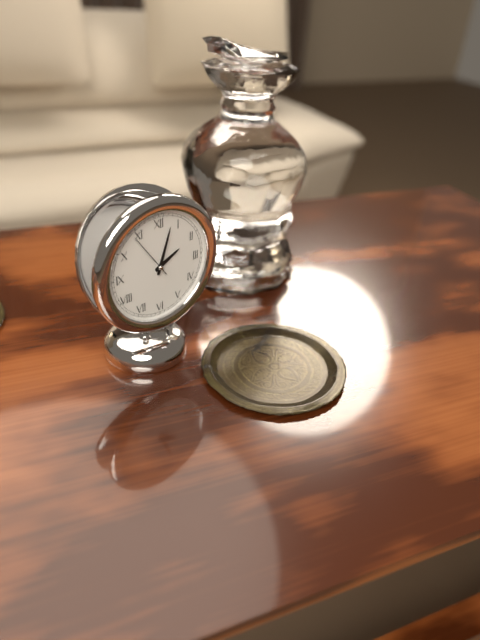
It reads **2:03**
